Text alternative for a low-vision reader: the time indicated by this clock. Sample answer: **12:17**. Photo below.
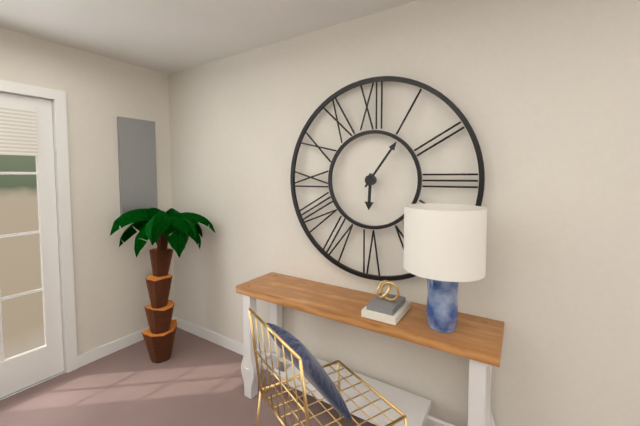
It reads **6:06**
